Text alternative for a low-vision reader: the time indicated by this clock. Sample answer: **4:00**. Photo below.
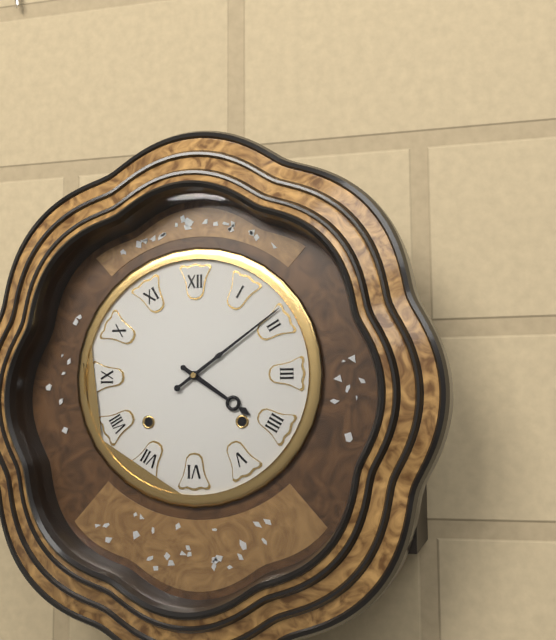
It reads **4:09**
